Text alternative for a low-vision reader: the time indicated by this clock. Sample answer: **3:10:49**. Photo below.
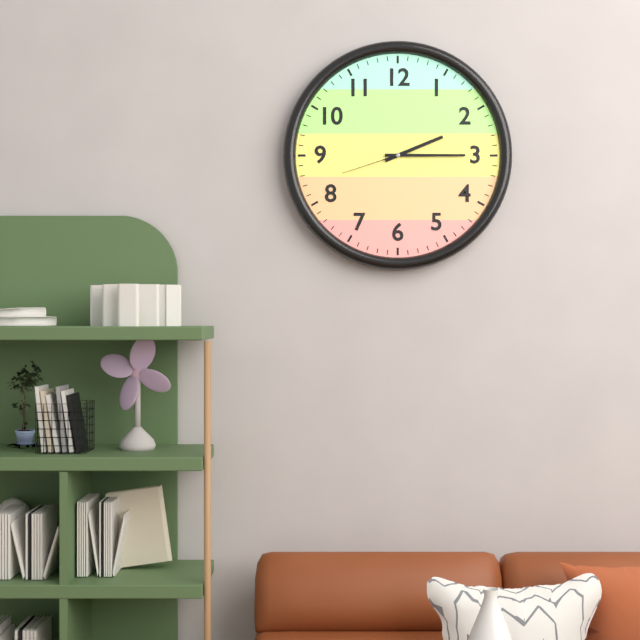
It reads **2:15:42**
